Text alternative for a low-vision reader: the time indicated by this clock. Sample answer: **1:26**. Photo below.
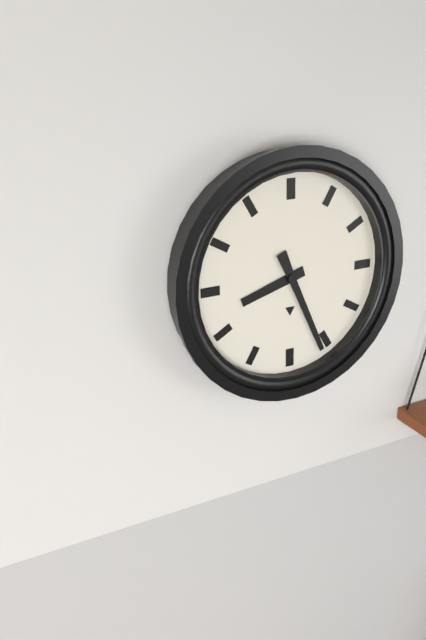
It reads **8:26**
